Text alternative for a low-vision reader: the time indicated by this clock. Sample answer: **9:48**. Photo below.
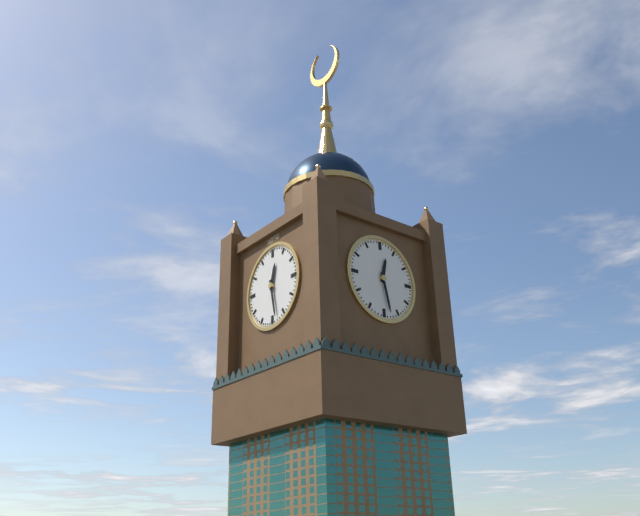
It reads **12:28**
